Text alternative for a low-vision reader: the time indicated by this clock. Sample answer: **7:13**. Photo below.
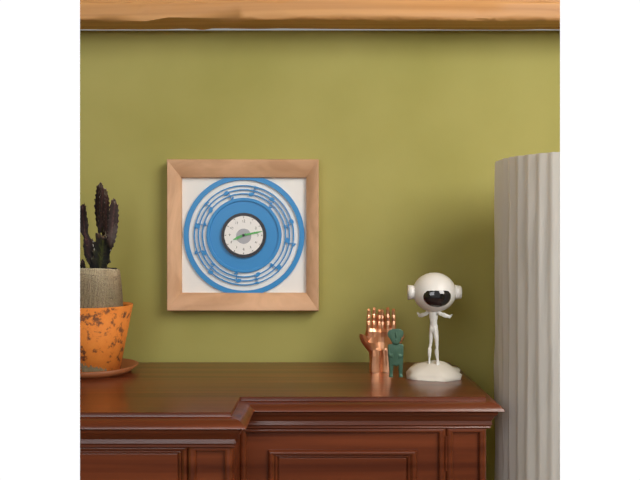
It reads **8:13**
